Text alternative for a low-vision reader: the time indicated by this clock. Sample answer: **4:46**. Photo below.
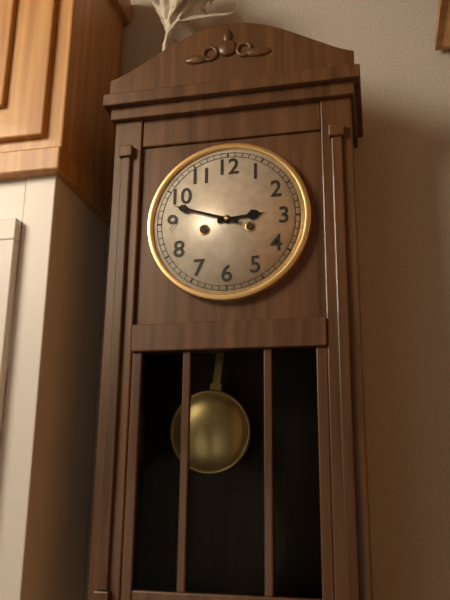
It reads **2:48**
